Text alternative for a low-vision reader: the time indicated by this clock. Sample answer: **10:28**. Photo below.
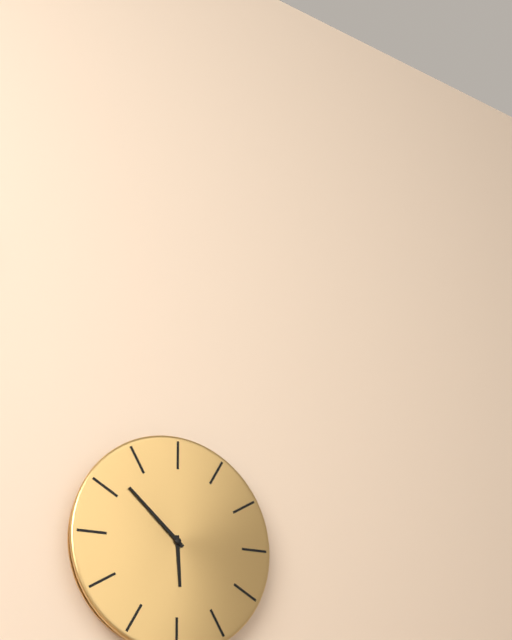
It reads **5:52**
